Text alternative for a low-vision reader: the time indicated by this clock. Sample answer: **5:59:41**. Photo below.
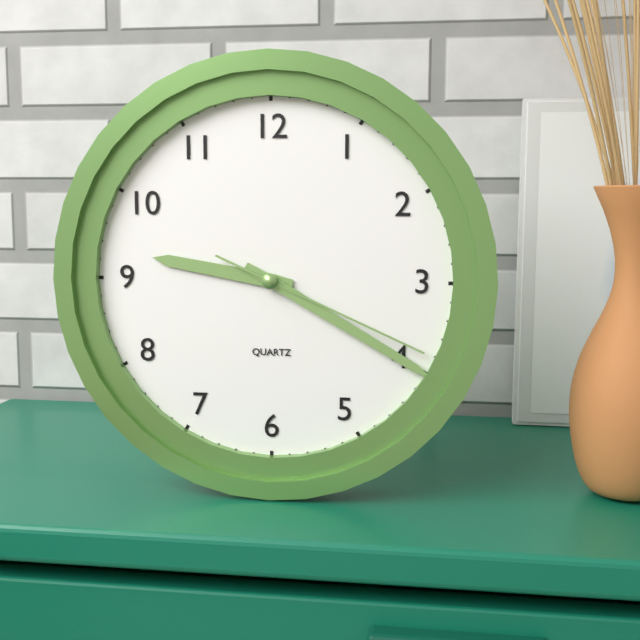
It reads **9:20:19**
